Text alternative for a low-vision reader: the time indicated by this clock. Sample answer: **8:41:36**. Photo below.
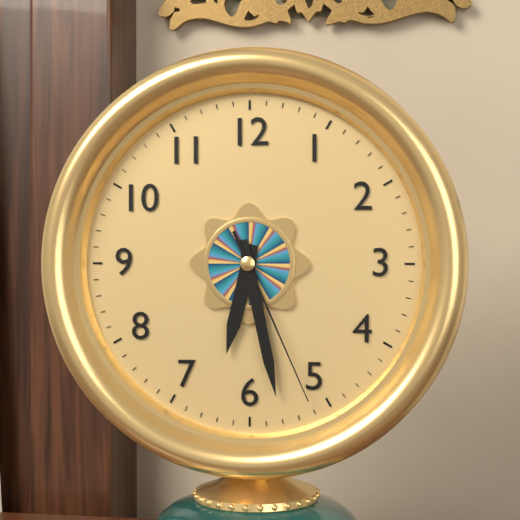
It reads **6:28:26**
